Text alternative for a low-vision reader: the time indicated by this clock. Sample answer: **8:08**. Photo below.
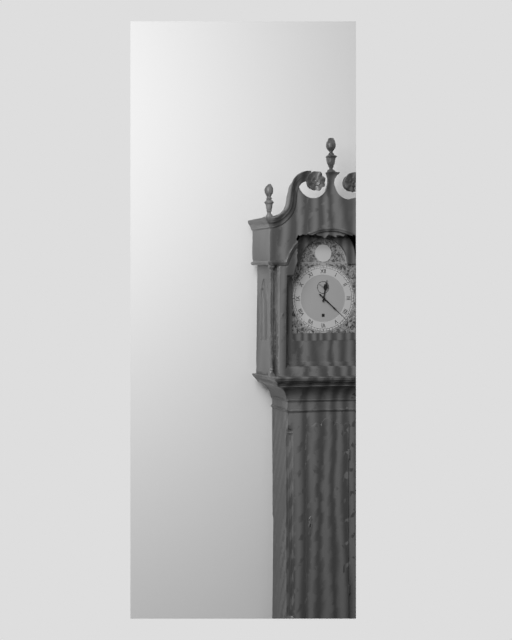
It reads **12:22**
